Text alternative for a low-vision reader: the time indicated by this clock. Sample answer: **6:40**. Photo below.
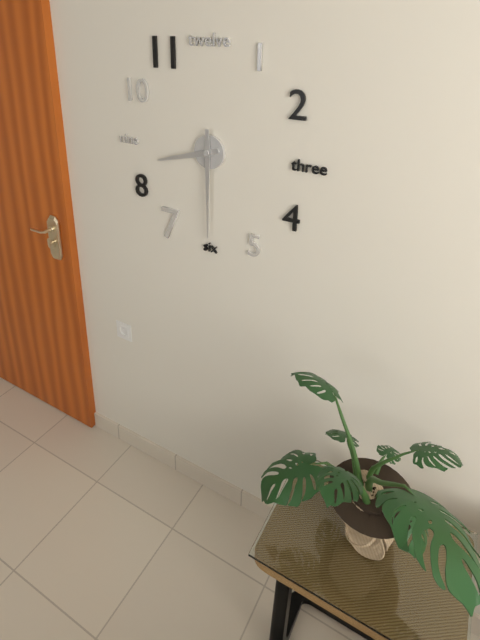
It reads **8:30**
